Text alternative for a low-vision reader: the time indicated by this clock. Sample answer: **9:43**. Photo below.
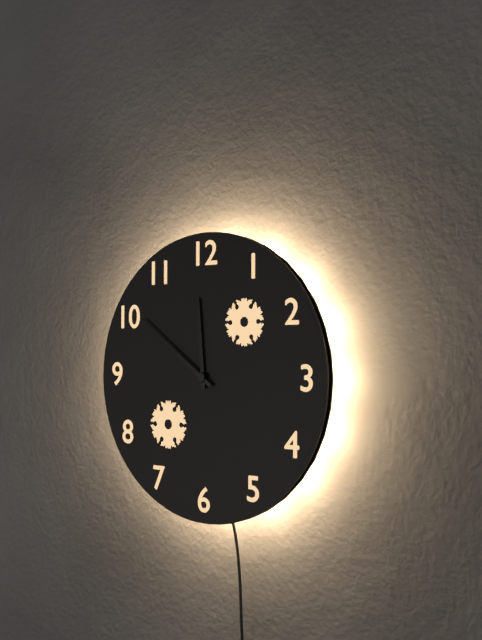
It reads **11:51**
